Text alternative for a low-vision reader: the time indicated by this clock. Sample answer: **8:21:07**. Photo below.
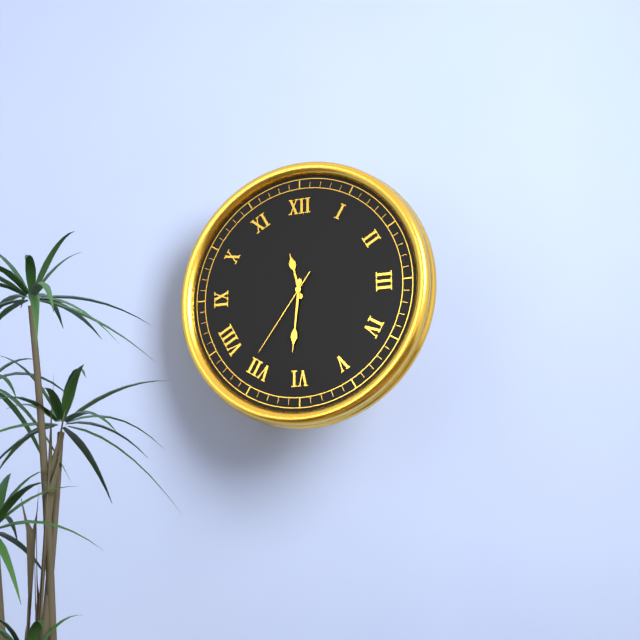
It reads **11:31:36**
